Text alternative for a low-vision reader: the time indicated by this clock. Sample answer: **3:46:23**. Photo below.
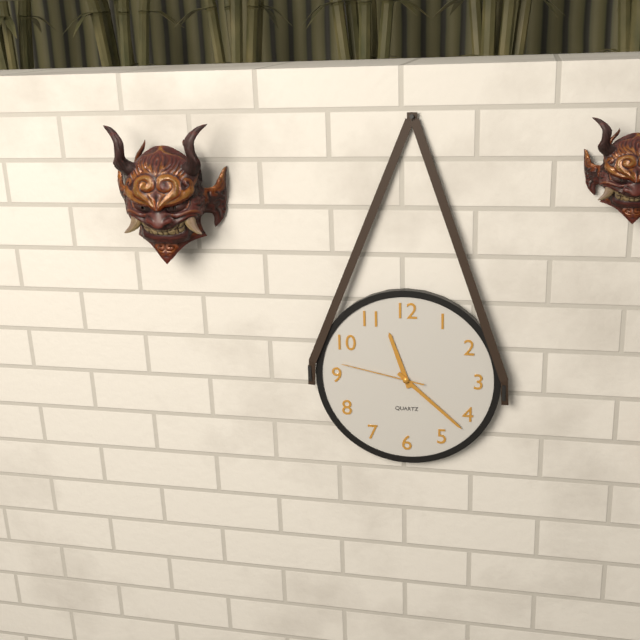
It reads **11:22:47**
